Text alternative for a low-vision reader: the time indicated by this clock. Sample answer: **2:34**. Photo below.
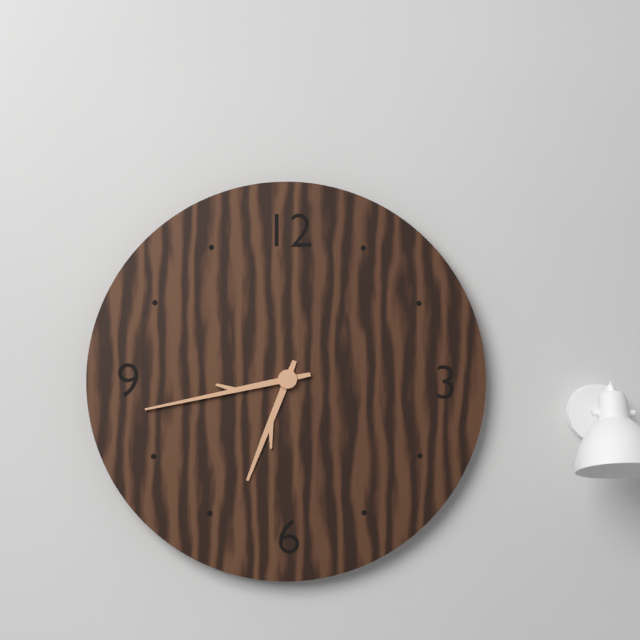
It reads **6:43**
